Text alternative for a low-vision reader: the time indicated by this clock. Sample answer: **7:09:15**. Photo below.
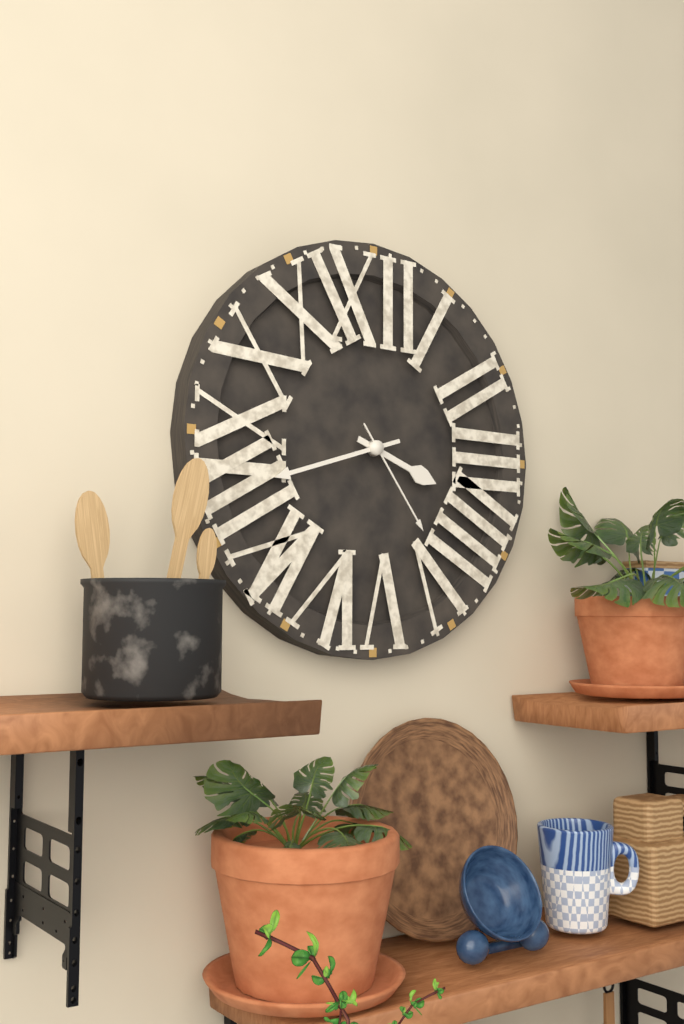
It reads **3:42:24**
